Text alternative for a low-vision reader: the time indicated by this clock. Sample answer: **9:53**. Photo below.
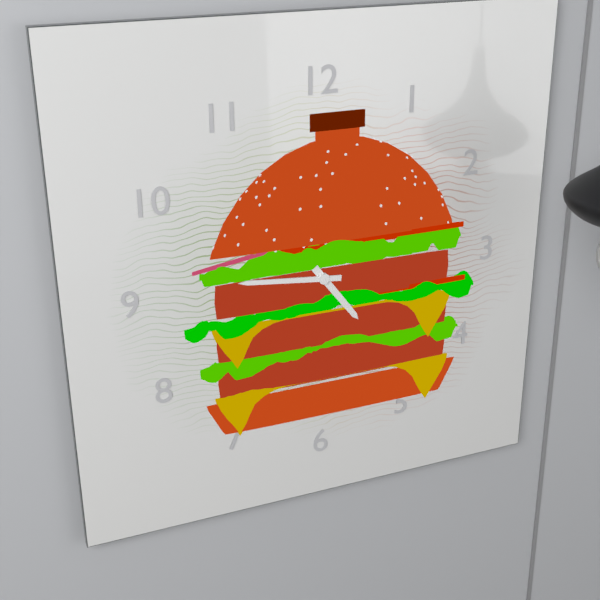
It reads **4:46**
